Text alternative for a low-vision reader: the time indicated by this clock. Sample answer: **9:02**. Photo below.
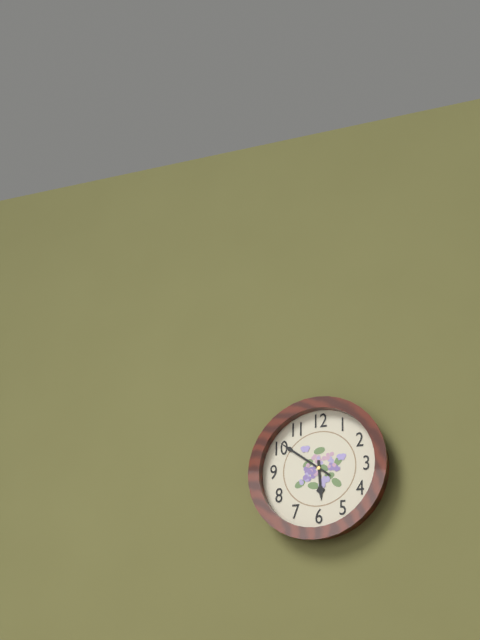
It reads **5:51**
